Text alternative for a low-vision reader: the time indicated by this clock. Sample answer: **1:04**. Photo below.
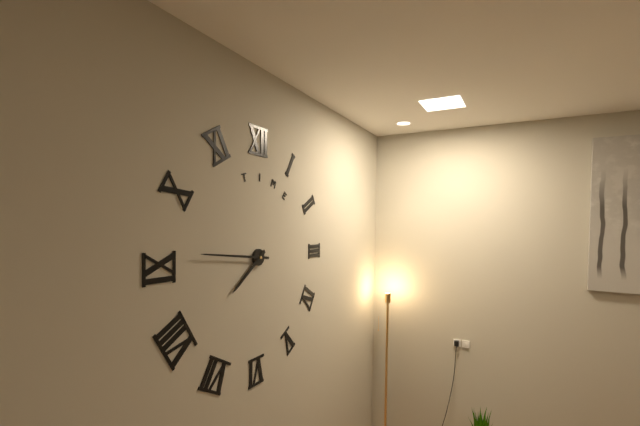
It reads **7:46**
